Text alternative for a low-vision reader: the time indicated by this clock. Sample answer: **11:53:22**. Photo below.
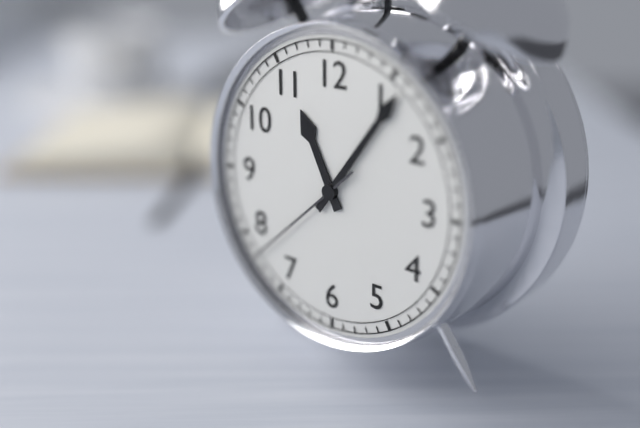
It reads **11:06:38**
